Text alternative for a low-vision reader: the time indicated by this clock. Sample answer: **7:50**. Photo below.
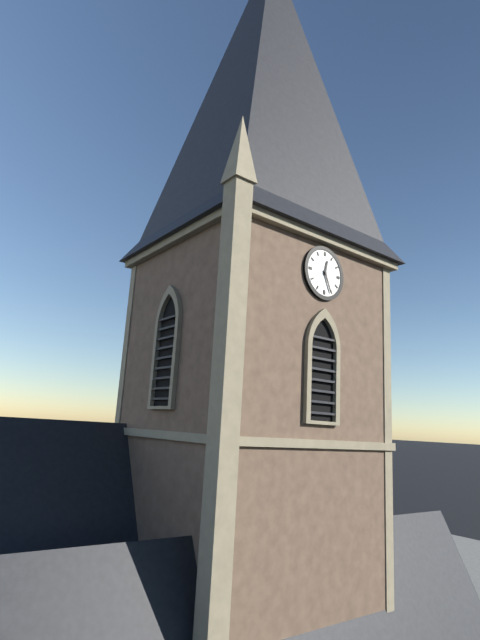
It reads **12:26**
